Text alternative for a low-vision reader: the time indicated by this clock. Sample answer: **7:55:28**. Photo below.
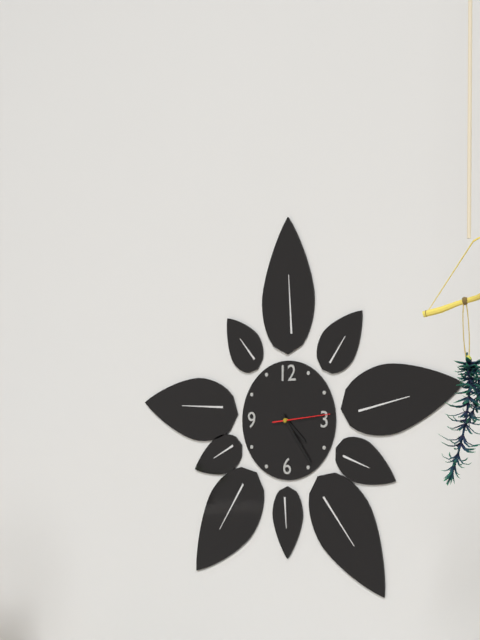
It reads **4:24:14**
